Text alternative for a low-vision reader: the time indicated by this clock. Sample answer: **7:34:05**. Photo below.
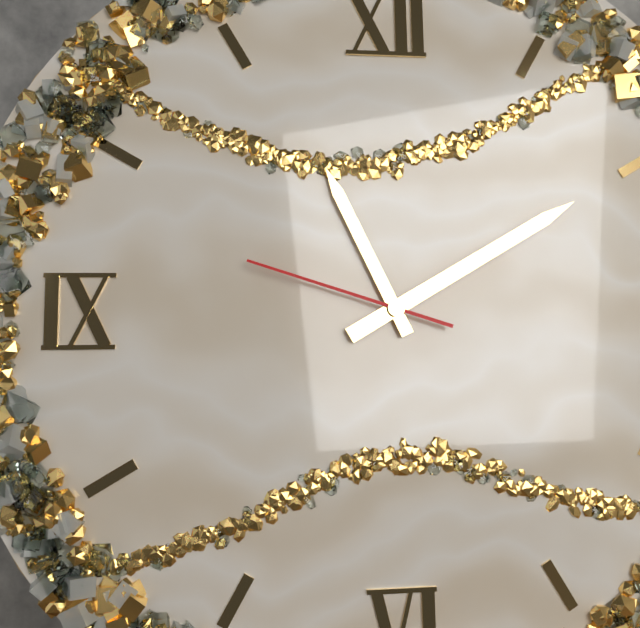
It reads **11:10:48**
